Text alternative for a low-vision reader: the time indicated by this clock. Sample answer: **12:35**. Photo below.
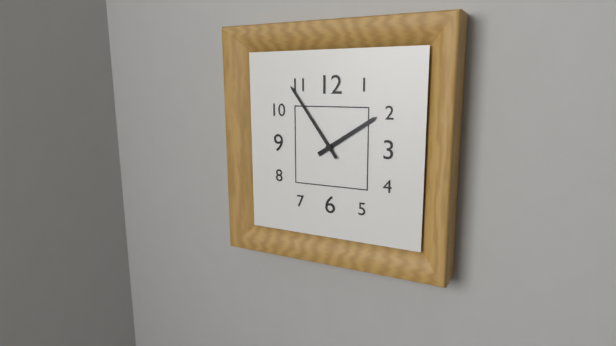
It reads **1:54**
